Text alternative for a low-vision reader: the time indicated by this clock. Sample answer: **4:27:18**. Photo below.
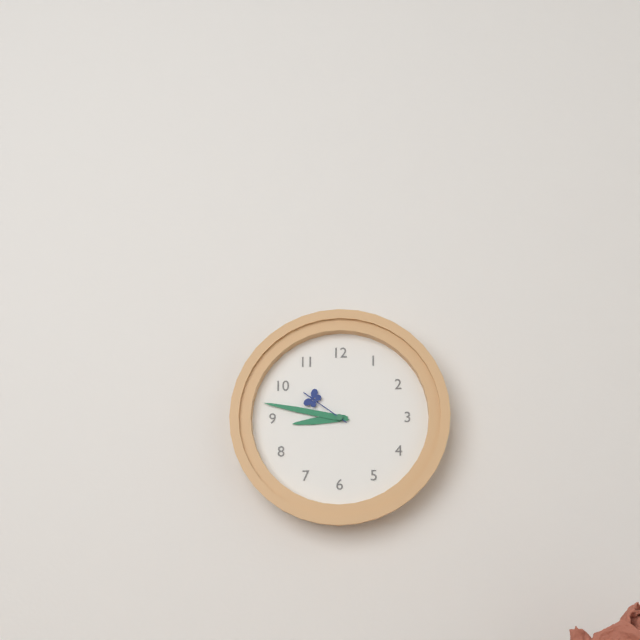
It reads **8:47:51**
